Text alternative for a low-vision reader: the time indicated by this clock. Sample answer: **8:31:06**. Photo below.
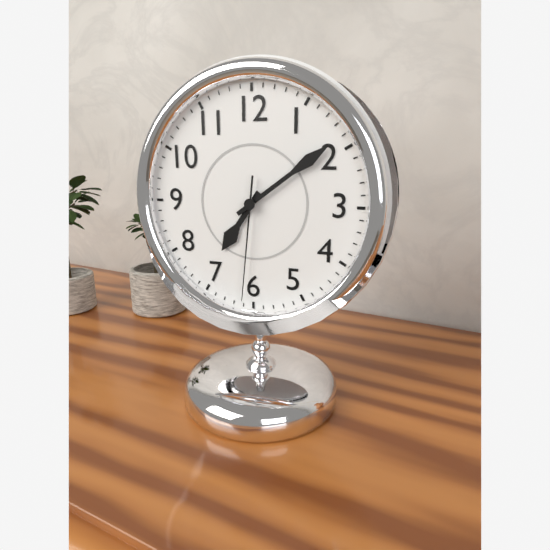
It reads **7:09:31**
